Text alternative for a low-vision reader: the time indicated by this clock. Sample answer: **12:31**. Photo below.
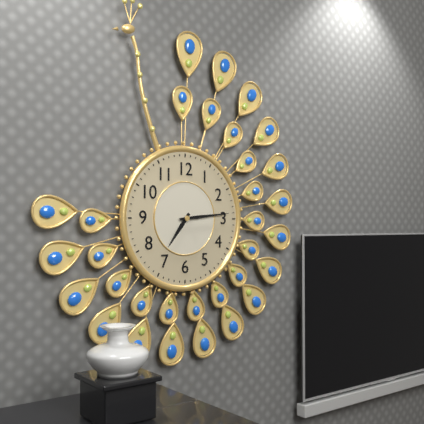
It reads **7:14**
